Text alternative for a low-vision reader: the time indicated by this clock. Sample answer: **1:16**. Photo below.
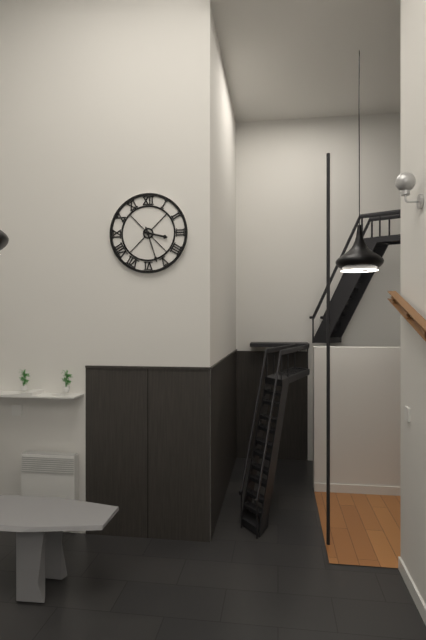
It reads **3:27**
